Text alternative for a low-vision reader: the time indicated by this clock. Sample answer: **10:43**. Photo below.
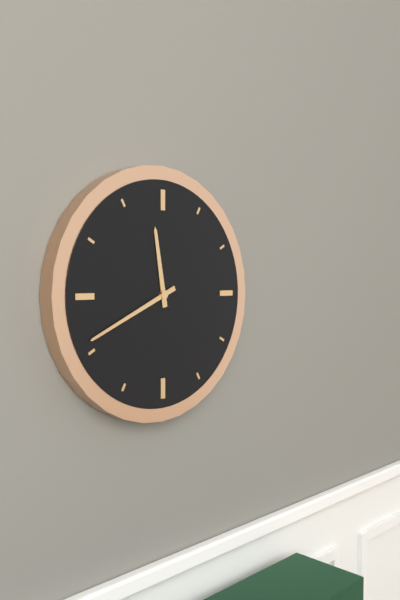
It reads **11:41**
